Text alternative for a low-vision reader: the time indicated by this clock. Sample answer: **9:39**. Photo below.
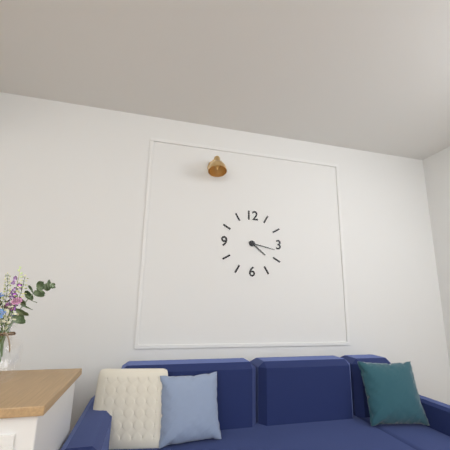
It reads **4:17**
